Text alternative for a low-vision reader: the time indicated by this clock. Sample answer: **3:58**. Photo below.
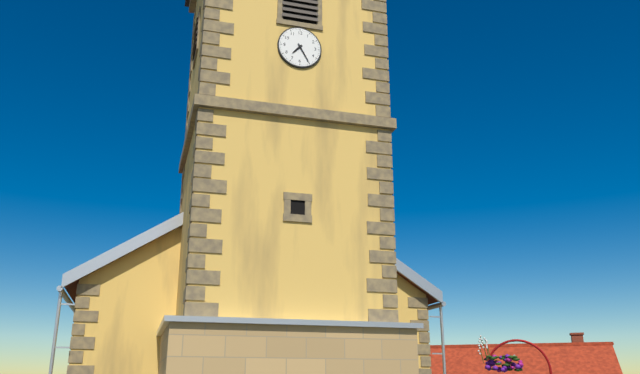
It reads **7:25**
